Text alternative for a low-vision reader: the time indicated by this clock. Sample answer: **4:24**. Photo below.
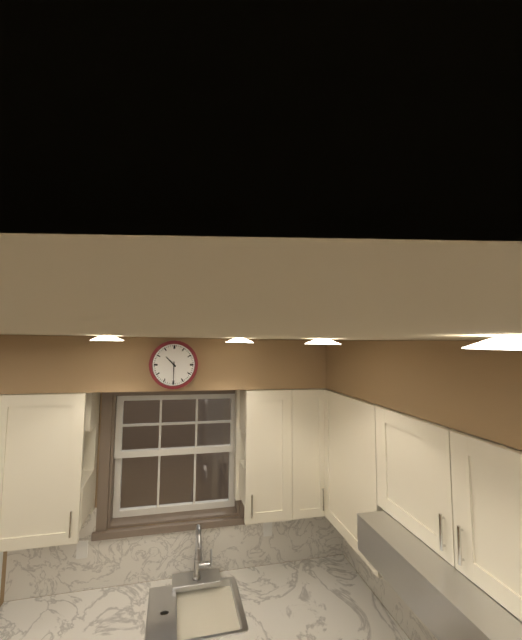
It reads **10:30**
